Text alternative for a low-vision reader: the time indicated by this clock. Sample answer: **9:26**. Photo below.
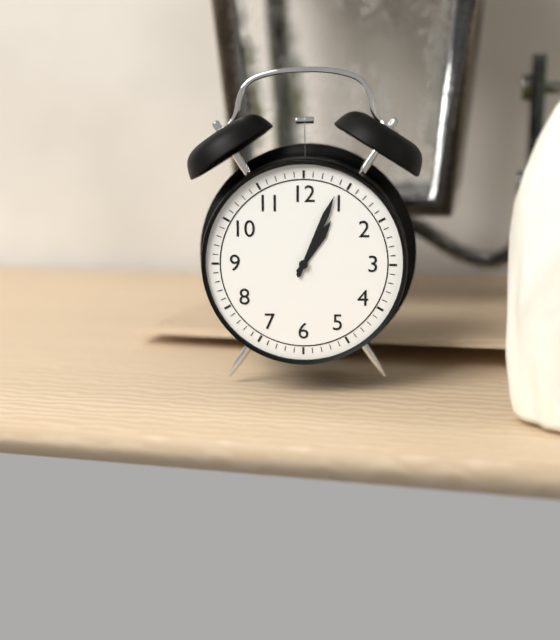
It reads **1:04**
